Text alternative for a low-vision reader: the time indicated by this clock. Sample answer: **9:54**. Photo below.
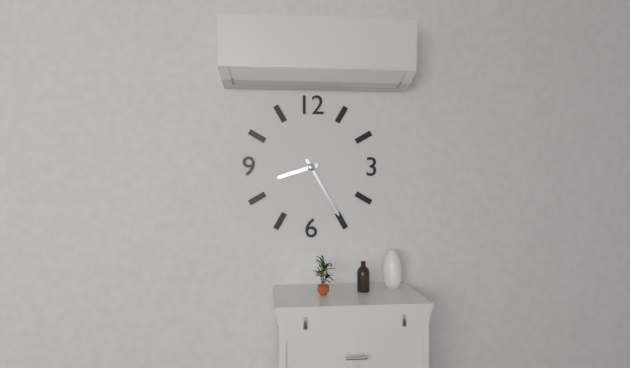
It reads **8:25**
